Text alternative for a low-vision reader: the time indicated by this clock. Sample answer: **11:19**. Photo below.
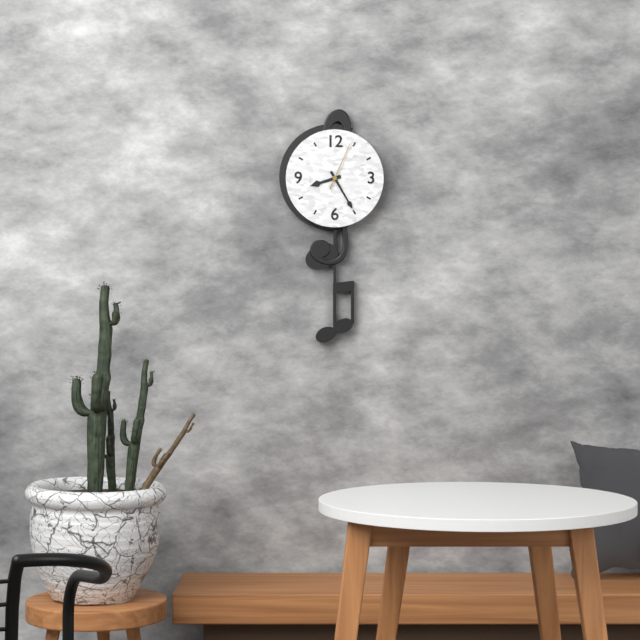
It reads **8:25**
